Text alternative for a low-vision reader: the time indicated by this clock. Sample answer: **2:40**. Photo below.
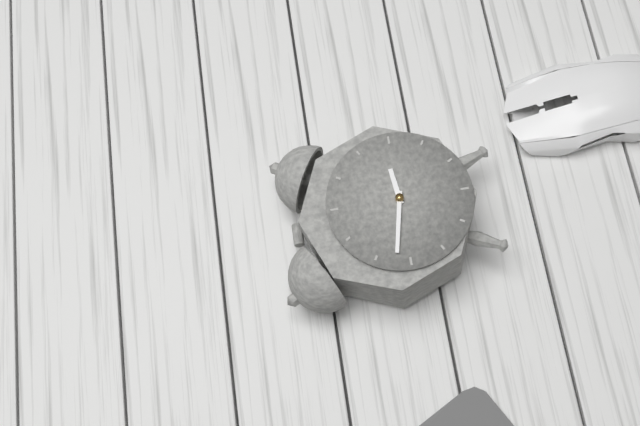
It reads **2:47**
